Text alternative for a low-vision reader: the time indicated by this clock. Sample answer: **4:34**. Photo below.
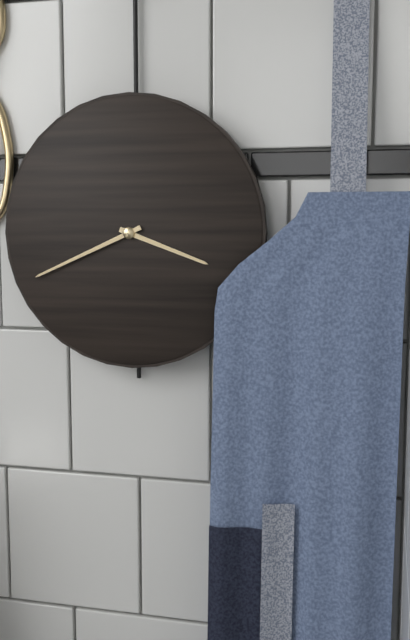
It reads **3:41**
